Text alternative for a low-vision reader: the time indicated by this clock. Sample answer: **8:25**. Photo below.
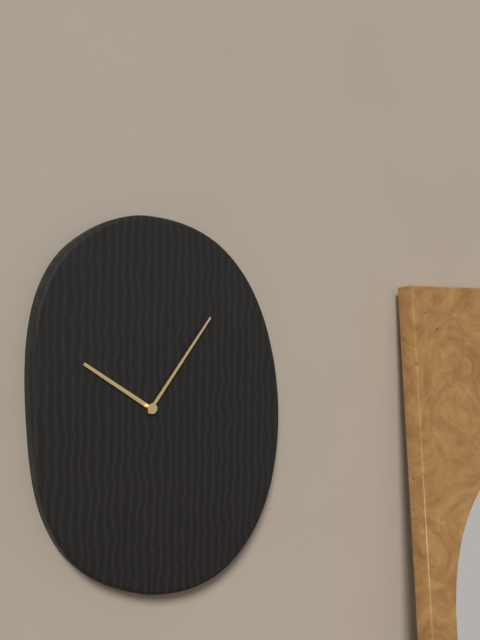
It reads **10:06**
